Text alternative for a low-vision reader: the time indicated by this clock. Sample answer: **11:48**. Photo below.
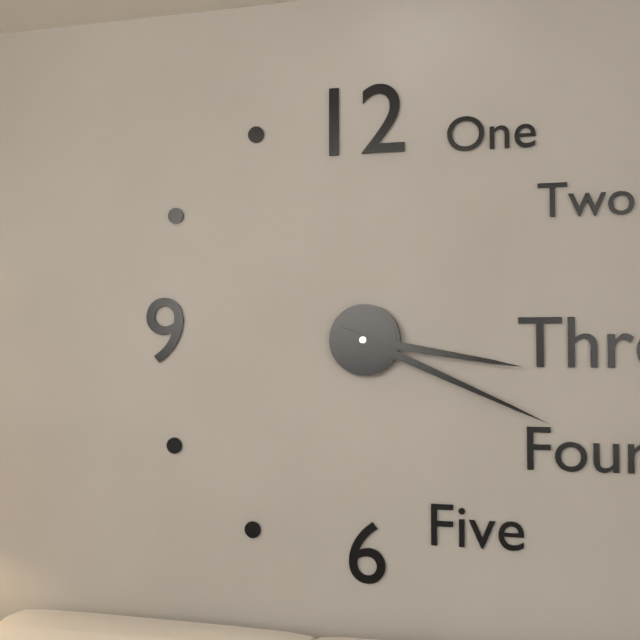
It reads **3:19**
